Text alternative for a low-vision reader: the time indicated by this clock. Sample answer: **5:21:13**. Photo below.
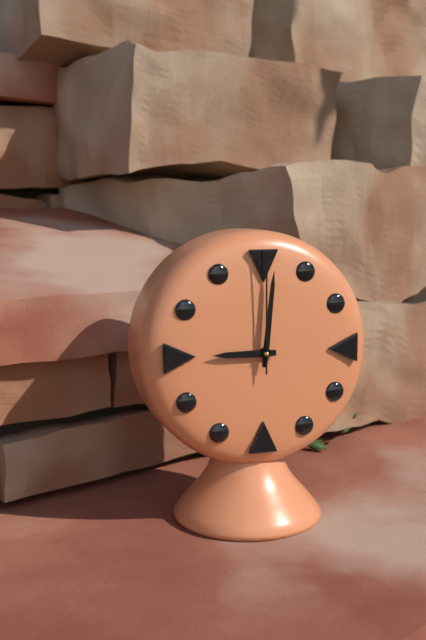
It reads **9:01:00**
